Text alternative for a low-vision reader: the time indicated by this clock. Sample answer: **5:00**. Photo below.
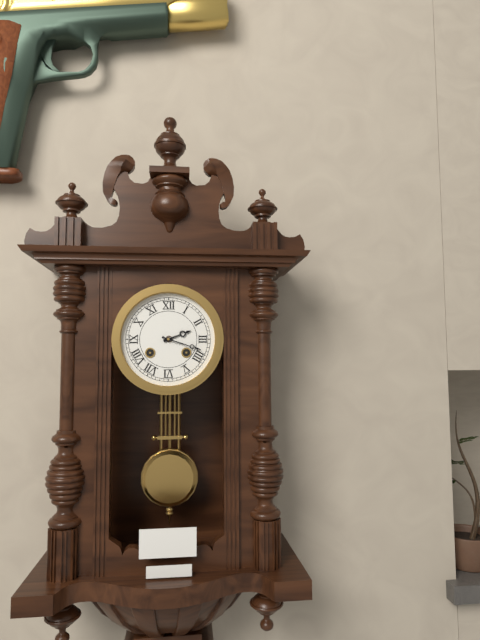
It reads **2:18**
